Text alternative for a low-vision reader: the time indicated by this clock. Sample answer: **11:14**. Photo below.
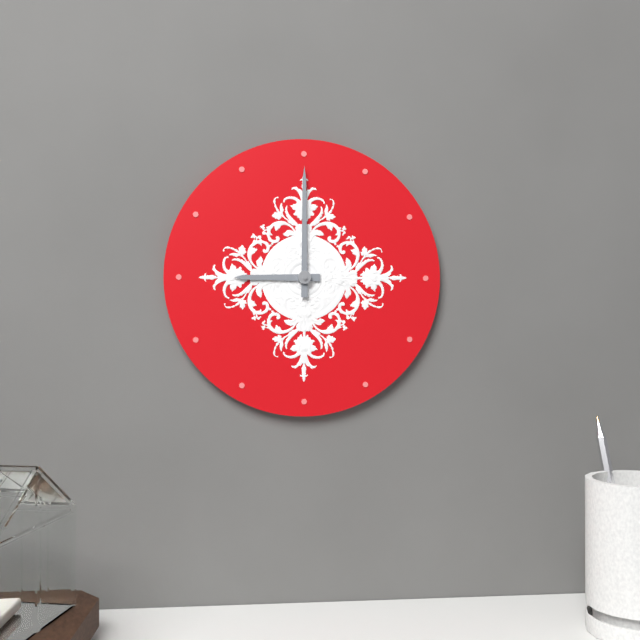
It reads **9:00**
